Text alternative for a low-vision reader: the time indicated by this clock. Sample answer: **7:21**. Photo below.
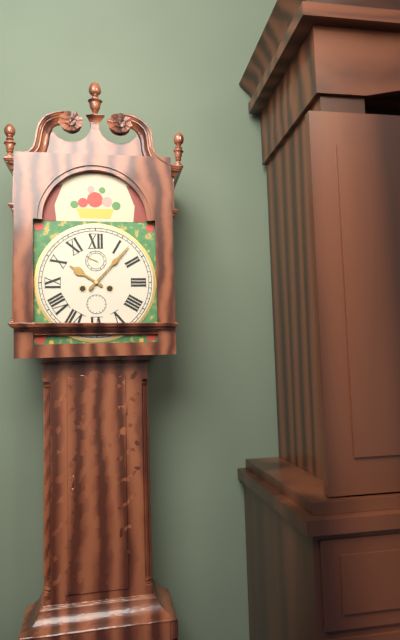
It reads **10:07**
